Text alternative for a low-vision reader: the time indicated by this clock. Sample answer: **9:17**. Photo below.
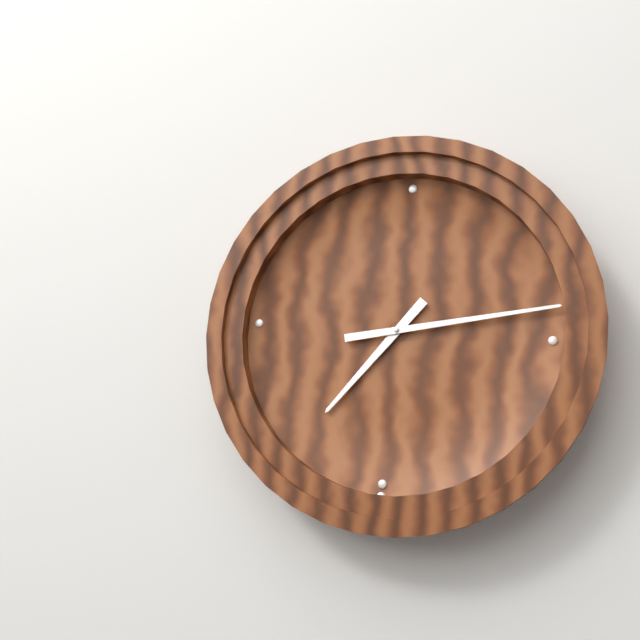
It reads **7:13**
